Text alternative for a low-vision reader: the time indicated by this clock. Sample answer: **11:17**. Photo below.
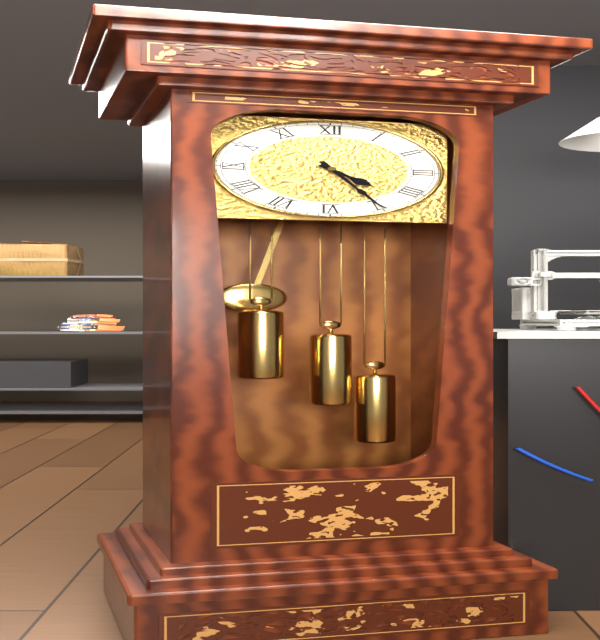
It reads **4:25**
